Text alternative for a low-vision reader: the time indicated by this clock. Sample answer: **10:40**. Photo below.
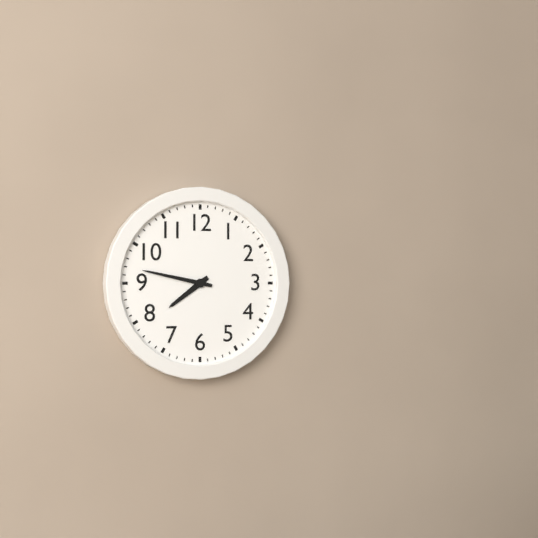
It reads **7:47**
